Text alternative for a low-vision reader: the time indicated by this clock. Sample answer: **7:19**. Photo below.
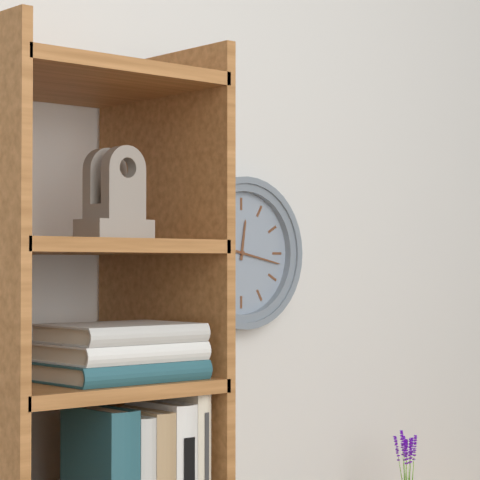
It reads **12:17**
